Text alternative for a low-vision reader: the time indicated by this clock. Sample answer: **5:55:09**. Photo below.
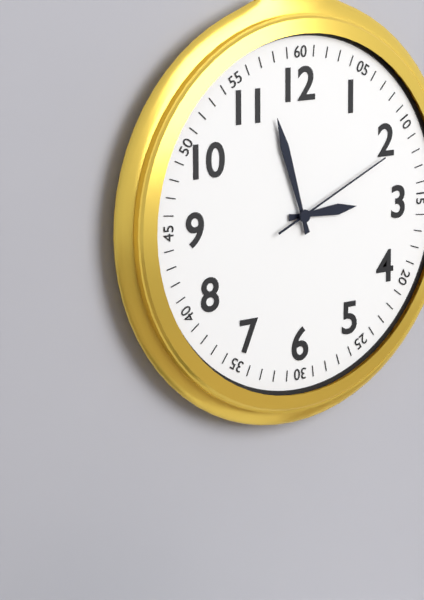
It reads **2:57:11**
